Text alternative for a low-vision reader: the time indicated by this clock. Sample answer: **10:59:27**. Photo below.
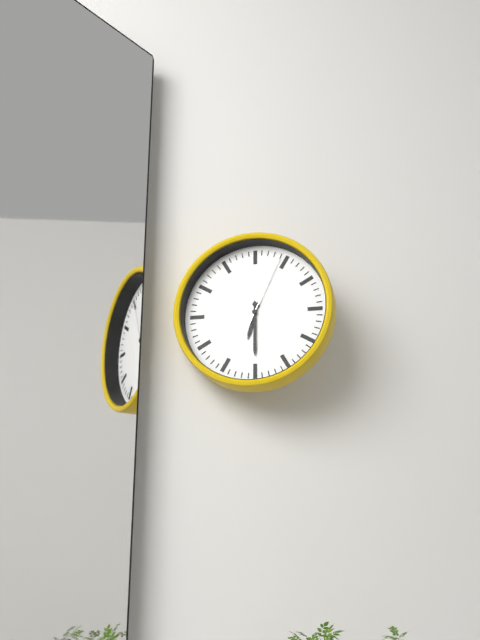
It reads **6:30:04**
